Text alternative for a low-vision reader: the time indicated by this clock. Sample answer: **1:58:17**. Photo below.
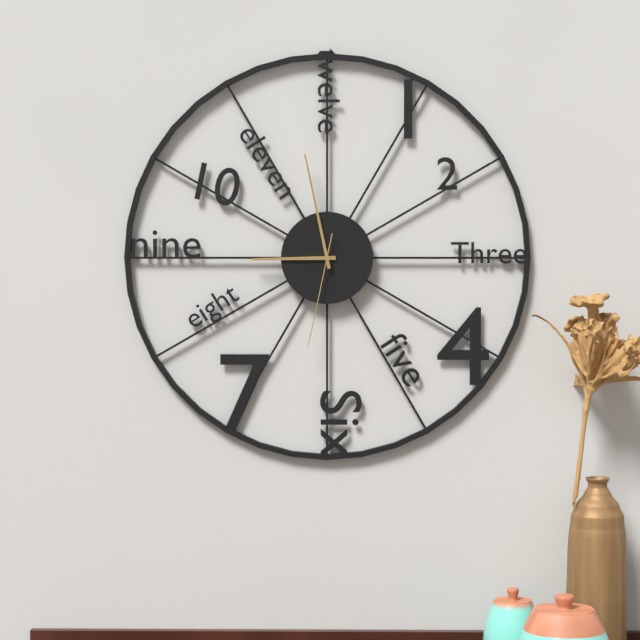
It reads **8:58:32**
